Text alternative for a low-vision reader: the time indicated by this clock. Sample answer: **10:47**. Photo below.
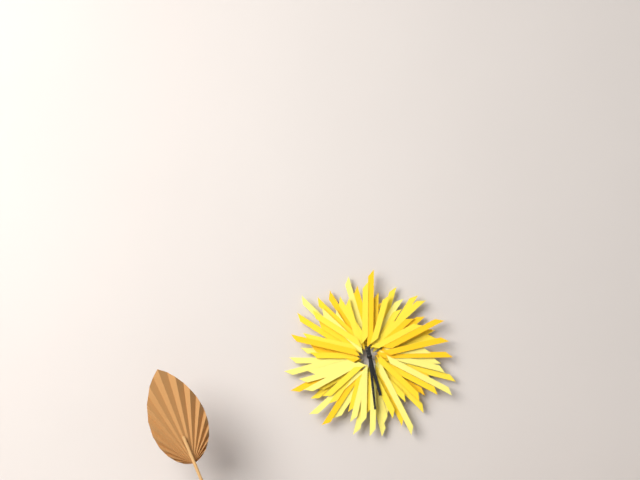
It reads **5:29**
